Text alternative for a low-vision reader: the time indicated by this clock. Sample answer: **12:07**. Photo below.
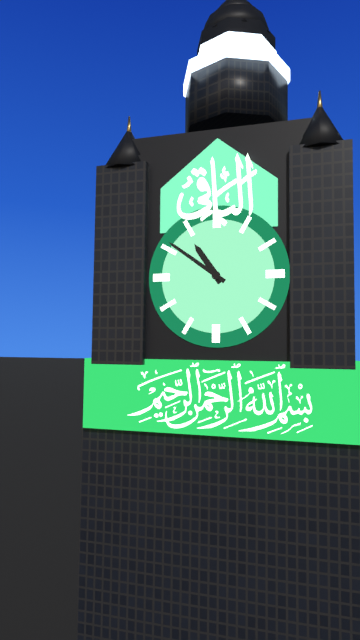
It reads **10:51**
